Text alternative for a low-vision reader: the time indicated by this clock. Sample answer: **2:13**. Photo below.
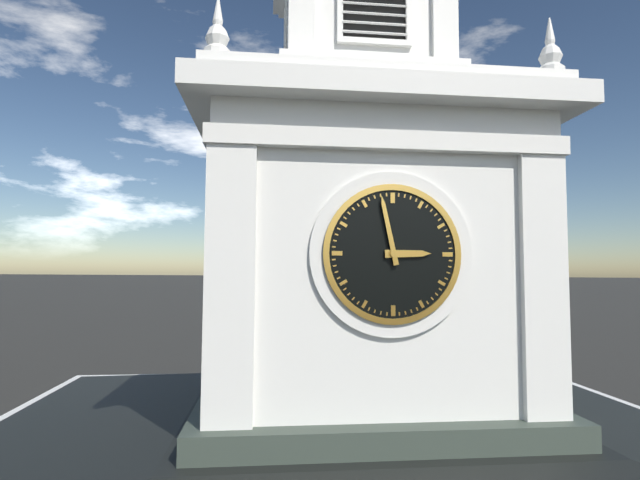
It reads **2:58**
